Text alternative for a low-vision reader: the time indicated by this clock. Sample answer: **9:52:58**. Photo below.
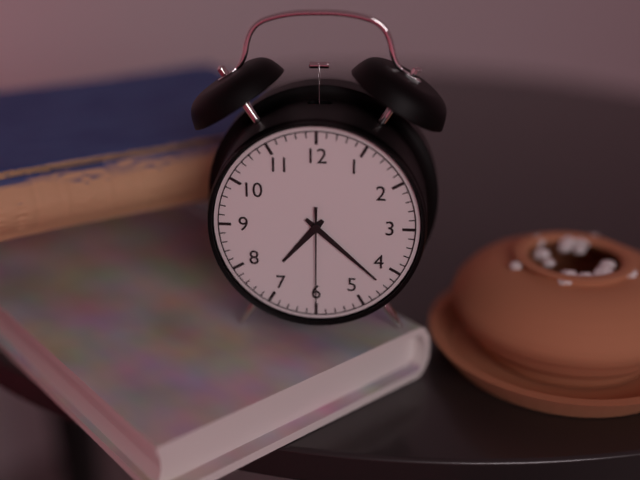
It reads **7:22:30**
